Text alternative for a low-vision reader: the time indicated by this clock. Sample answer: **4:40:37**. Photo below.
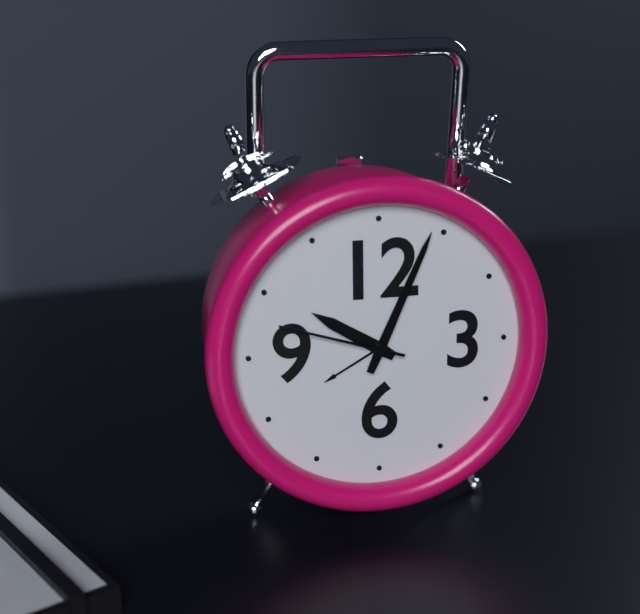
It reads **10:04:48**
